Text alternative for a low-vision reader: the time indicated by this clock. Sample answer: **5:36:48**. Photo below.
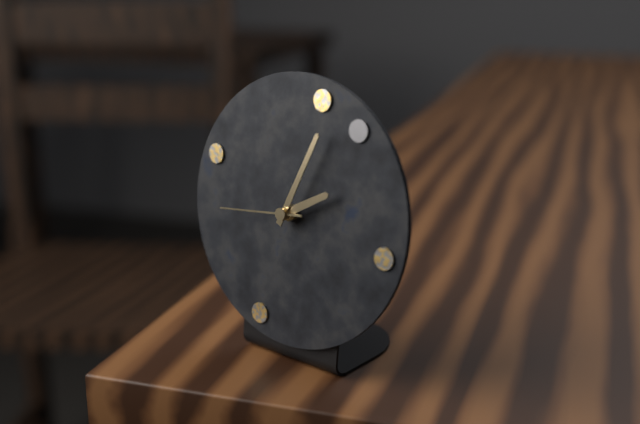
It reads **2:04:44**
